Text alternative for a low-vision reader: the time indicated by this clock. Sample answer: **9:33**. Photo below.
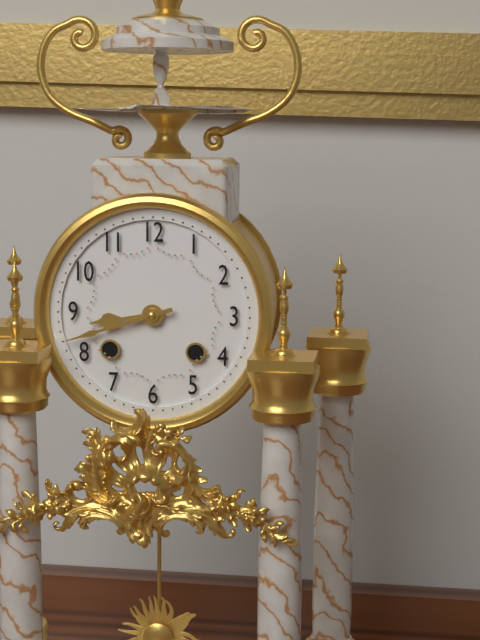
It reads **8:42**
